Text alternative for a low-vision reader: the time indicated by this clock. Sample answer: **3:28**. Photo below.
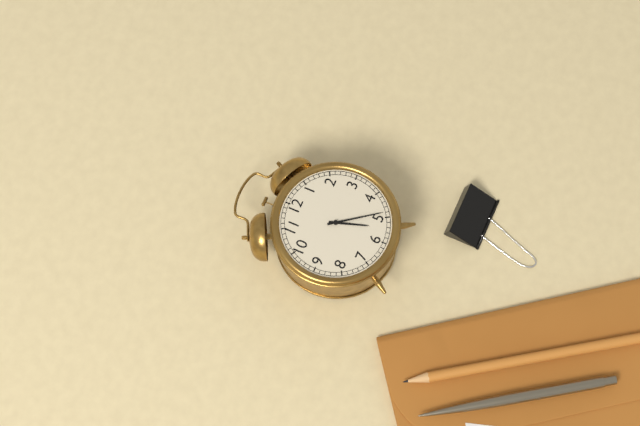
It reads **5:24**
